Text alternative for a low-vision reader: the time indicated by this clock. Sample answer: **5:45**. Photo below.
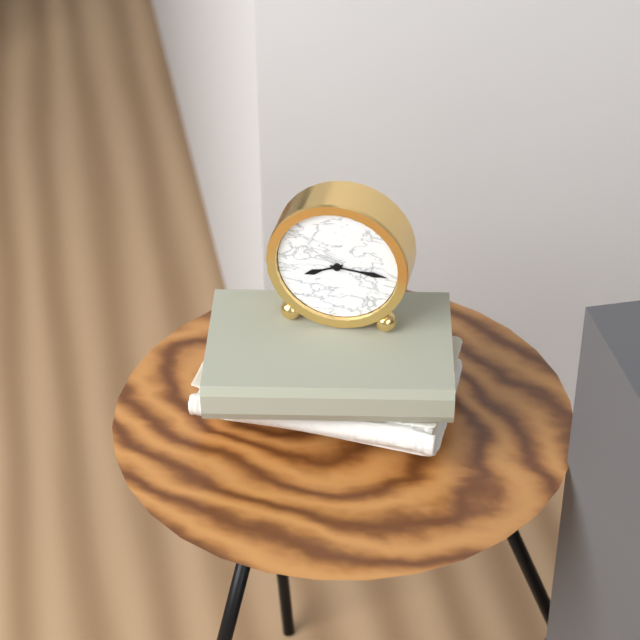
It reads **8:16**
